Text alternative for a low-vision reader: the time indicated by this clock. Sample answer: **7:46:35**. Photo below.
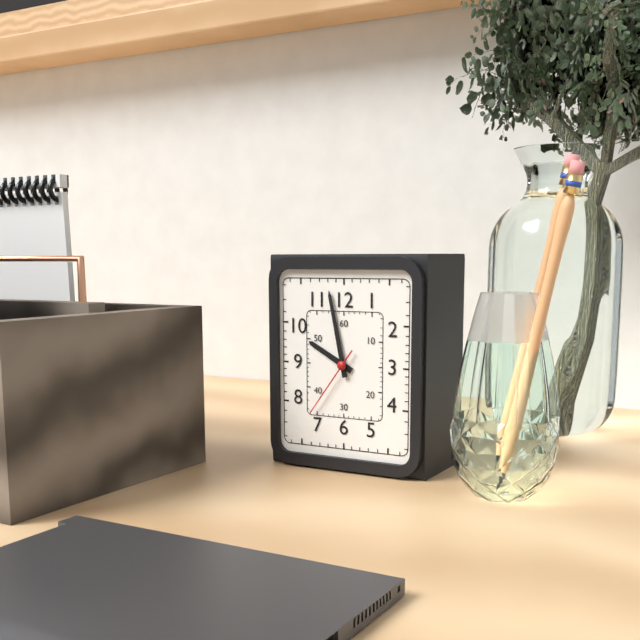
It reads **9:58:36**
